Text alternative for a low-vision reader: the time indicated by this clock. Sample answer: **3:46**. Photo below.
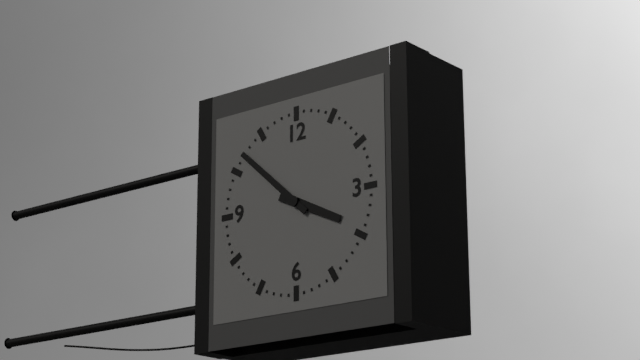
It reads **3:52**
